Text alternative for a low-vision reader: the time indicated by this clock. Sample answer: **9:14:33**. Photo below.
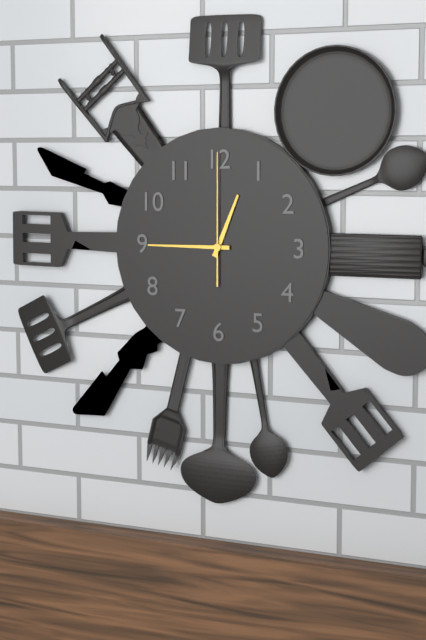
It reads **12:45:00**
